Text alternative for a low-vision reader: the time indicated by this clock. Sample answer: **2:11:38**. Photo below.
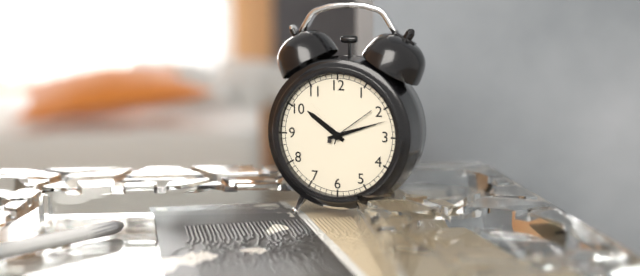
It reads **10:12:09**
